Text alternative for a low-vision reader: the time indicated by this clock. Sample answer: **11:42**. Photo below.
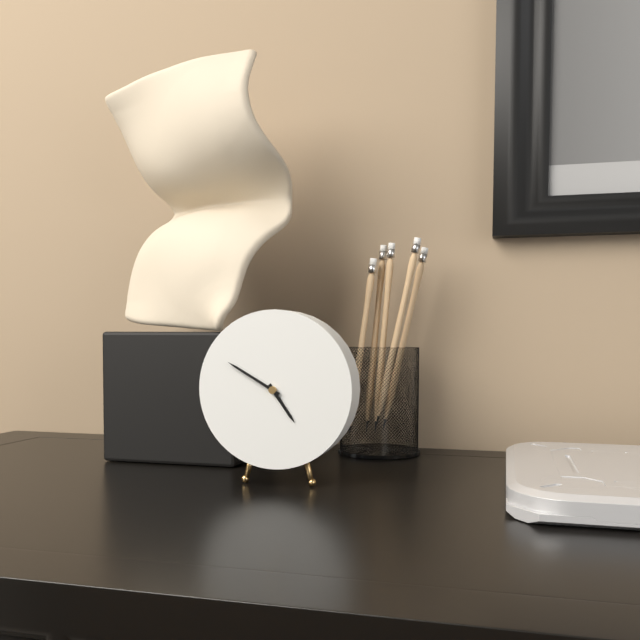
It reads **4:50**
